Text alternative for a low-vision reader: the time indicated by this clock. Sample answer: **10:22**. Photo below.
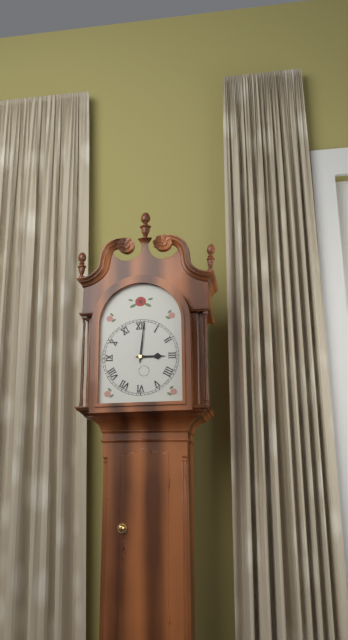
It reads **3:01**
